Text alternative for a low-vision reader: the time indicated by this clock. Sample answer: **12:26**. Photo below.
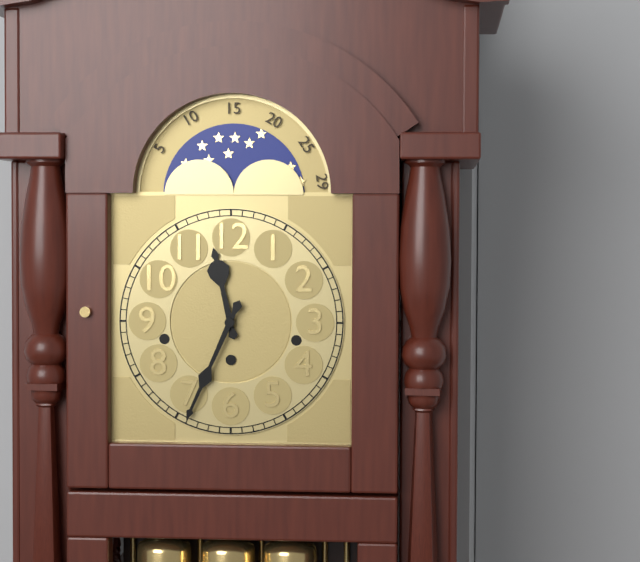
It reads **11:34**
